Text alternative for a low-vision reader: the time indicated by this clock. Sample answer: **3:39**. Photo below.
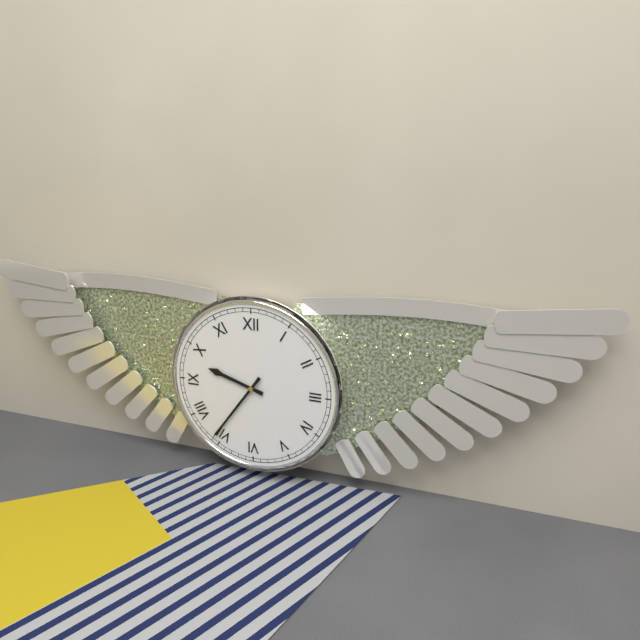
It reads **9:36**
